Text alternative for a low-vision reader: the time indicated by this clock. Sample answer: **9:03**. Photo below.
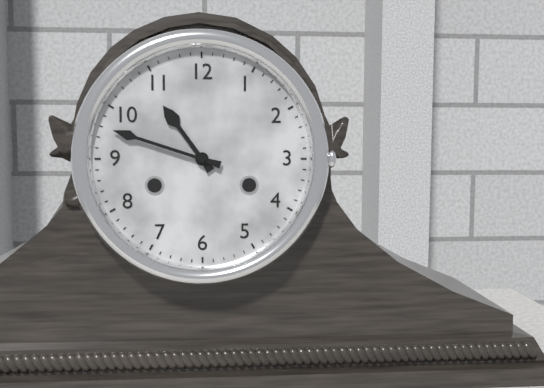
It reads **10:48**
